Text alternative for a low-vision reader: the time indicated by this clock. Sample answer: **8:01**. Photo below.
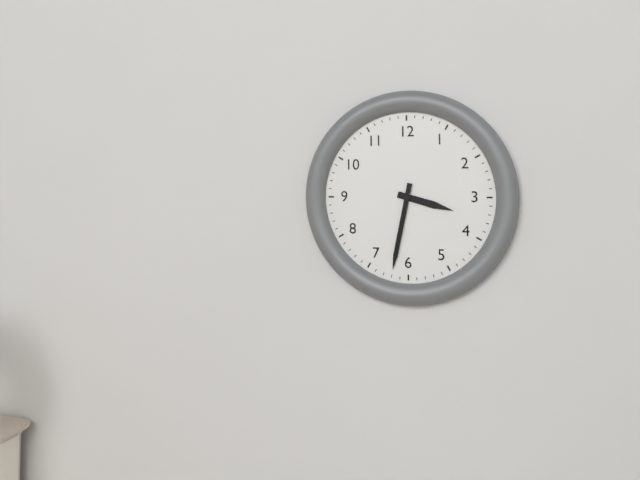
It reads **3:32**
